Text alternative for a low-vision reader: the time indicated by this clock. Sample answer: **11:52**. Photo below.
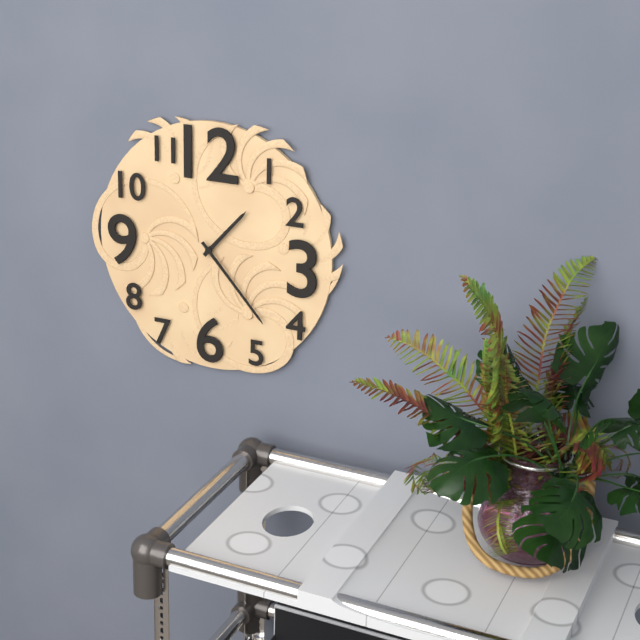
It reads **1:23**
